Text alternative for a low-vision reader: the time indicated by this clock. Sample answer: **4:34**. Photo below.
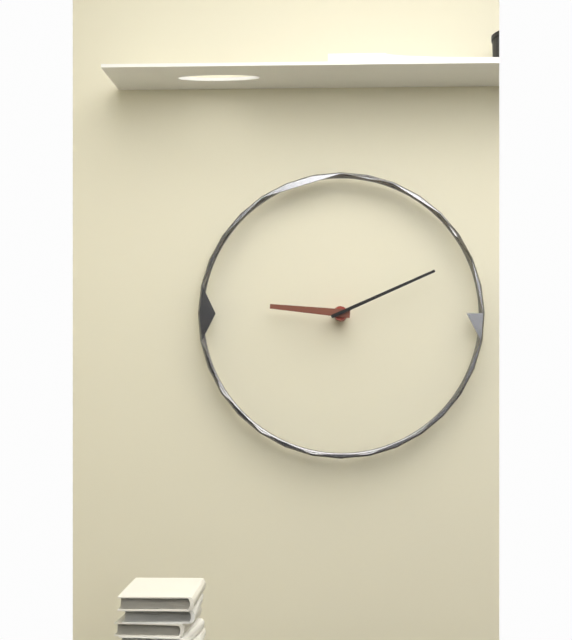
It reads **9:11**
